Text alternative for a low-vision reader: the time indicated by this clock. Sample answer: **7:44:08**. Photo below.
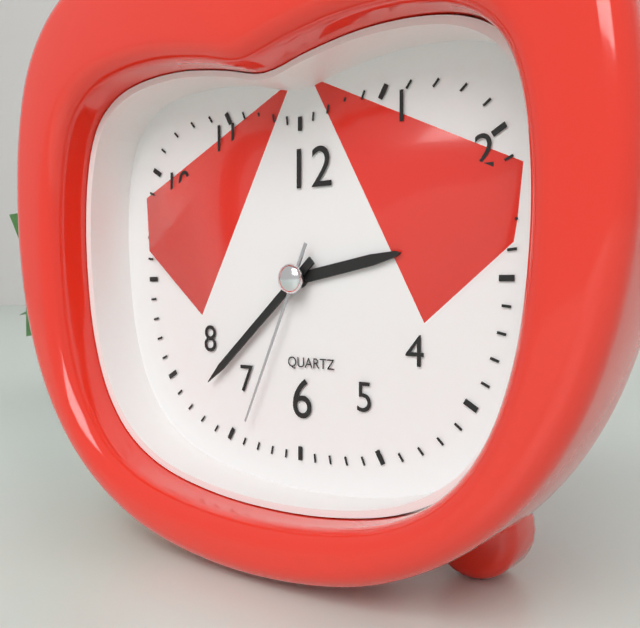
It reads **2:38:34**
